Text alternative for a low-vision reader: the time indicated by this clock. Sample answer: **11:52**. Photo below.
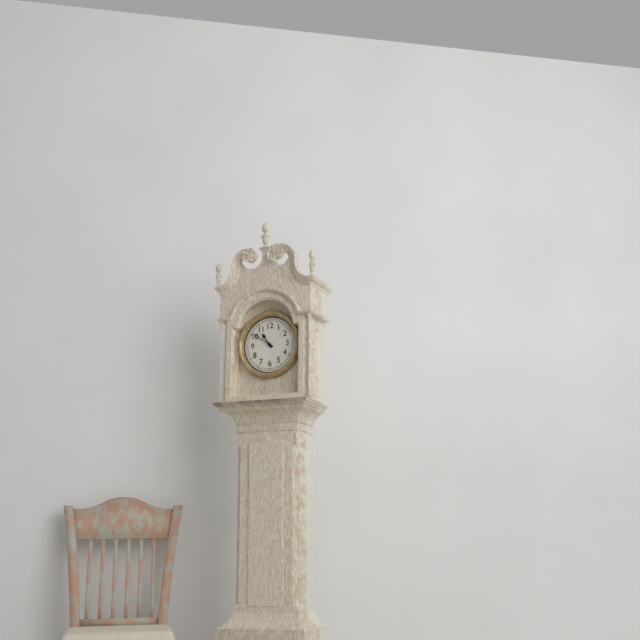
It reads **10:51**
